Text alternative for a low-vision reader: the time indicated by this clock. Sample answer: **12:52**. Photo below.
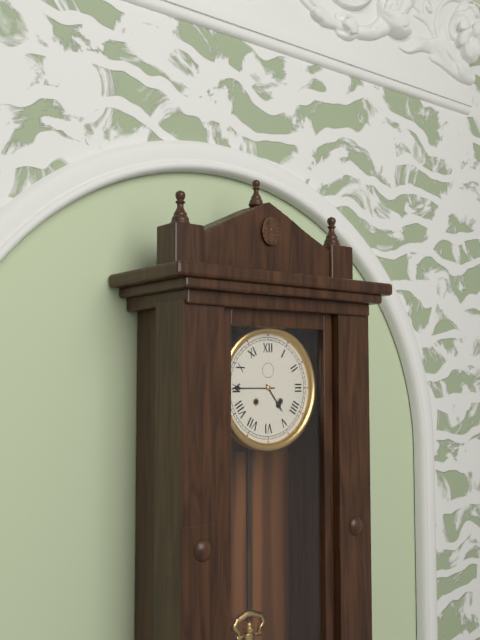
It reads **4:45**
